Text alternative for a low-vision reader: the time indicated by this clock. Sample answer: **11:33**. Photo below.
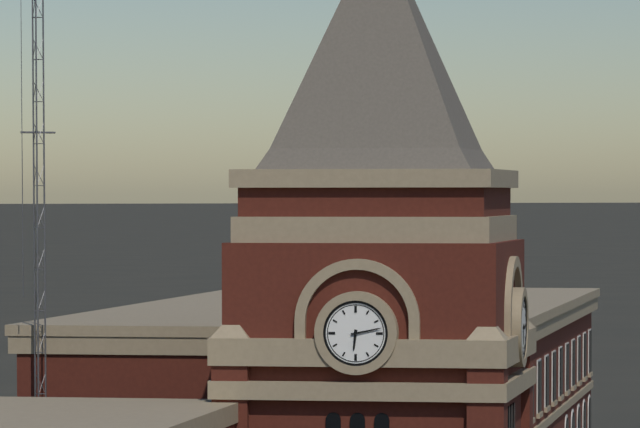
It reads **6:13**
